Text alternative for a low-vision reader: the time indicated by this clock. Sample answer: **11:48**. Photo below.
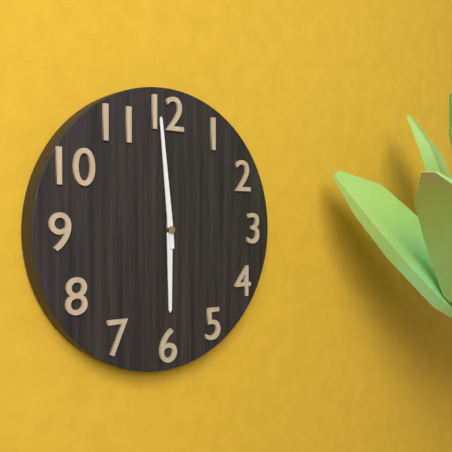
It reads **5:59**
